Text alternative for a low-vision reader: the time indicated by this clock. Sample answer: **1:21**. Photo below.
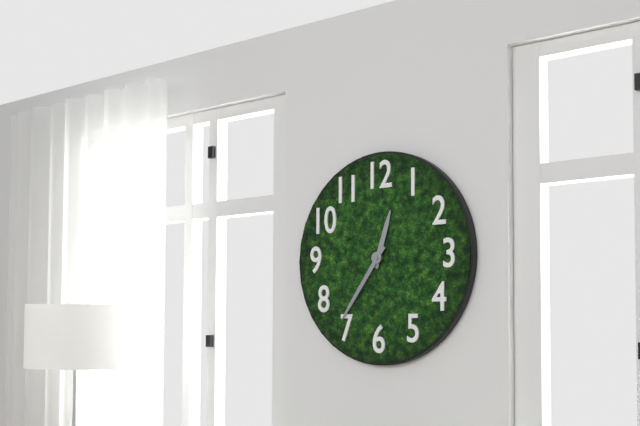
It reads **12:36**
